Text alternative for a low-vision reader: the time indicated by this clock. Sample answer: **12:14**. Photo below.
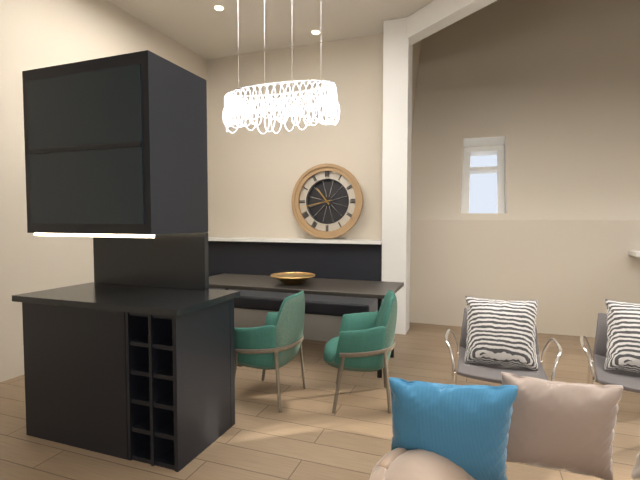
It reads **10:43**
